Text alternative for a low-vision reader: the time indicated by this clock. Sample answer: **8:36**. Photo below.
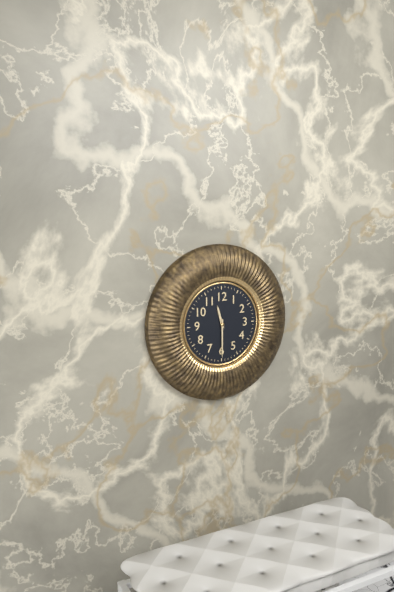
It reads **11:30**
